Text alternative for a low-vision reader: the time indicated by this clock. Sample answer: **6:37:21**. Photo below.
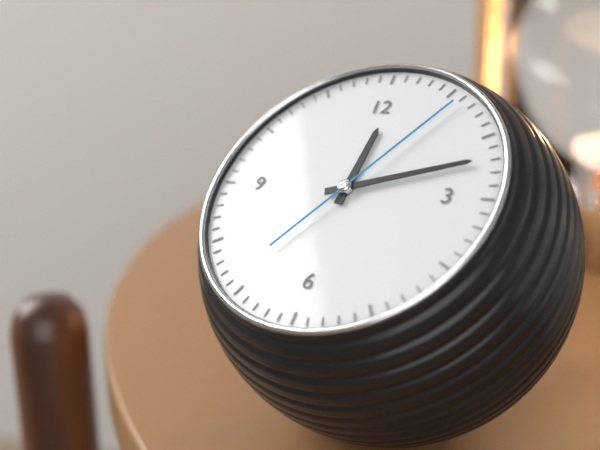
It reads **12:12:06**
